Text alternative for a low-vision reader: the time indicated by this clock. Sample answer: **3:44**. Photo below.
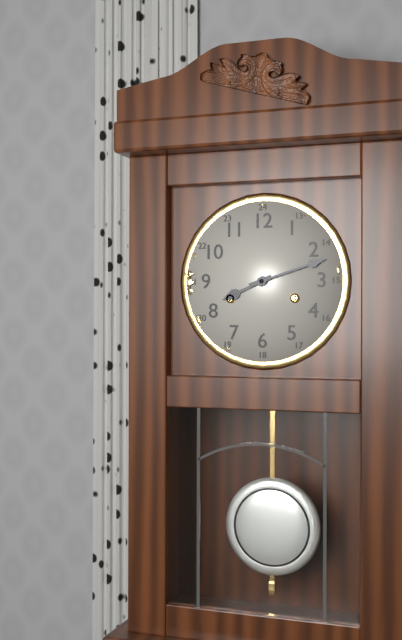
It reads **8:12**
